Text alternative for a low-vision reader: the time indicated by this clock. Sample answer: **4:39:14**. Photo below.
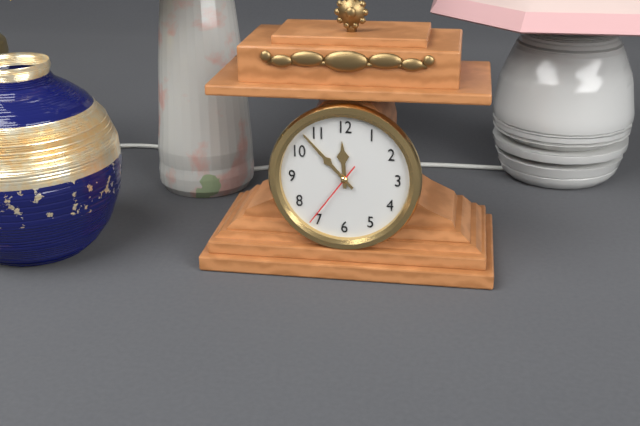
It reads **11:53:36**
